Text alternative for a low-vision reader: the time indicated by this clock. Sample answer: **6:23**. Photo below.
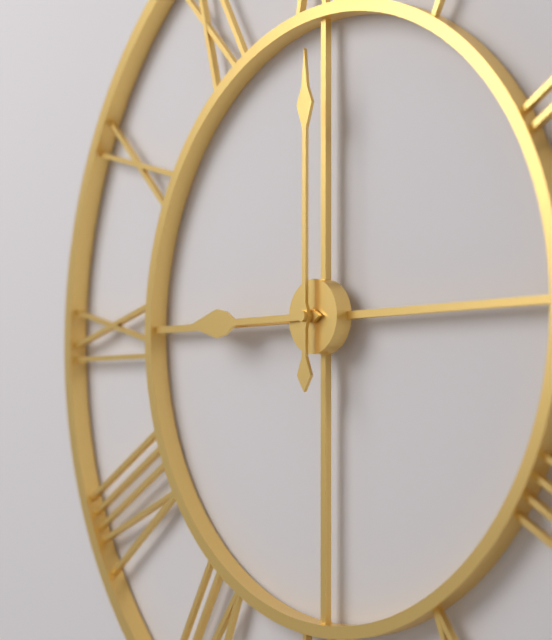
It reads **9:00**
